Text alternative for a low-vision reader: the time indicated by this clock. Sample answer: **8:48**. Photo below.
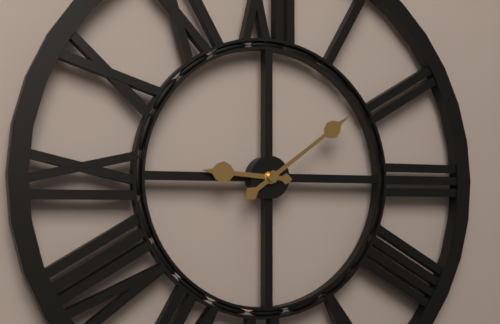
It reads **9:09**
